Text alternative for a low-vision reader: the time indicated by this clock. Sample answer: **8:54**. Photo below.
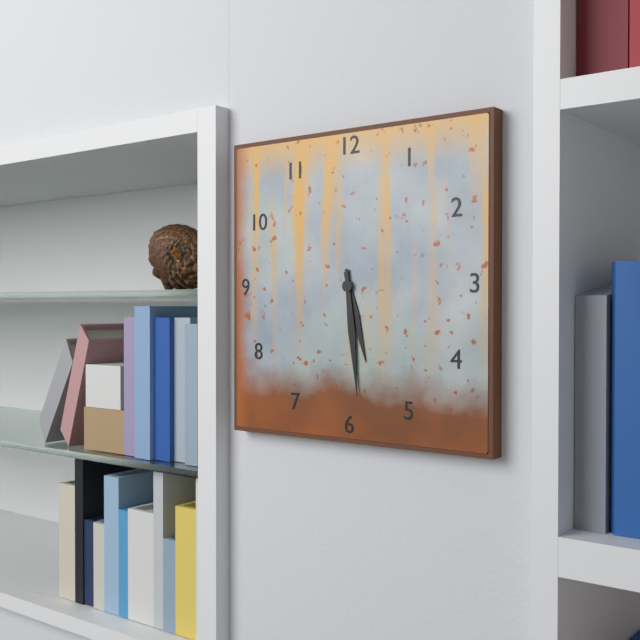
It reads **5:29**
